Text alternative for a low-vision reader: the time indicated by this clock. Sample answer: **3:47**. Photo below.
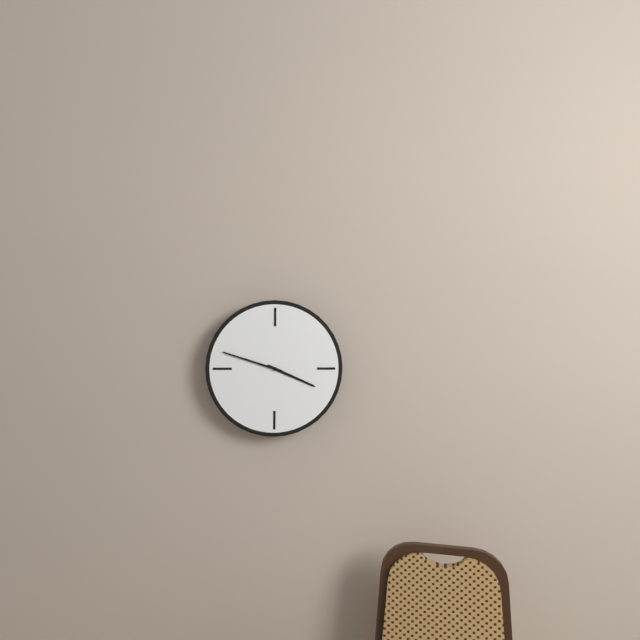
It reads **3:48**
